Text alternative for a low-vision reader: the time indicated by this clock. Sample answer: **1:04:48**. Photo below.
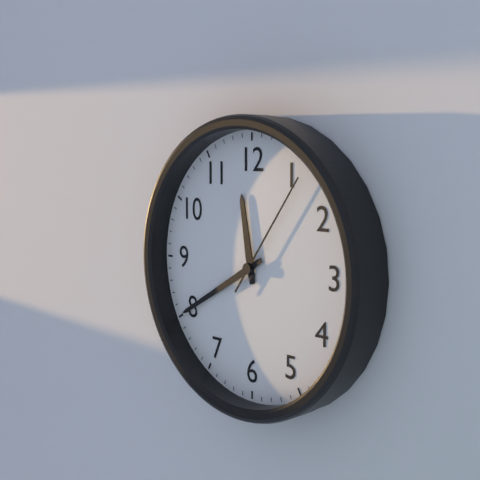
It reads **11:40:06**
